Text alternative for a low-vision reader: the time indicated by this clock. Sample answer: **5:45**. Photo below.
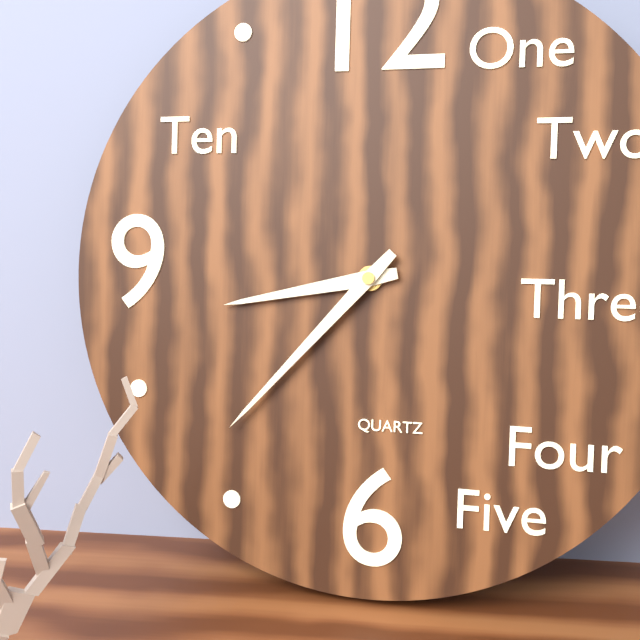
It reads **8:37**
